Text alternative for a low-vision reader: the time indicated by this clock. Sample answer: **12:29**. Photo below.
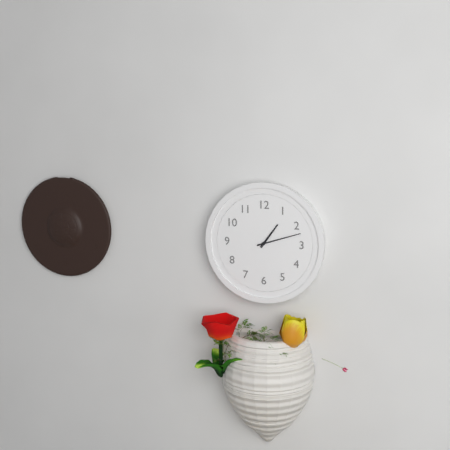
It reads **1:12**
